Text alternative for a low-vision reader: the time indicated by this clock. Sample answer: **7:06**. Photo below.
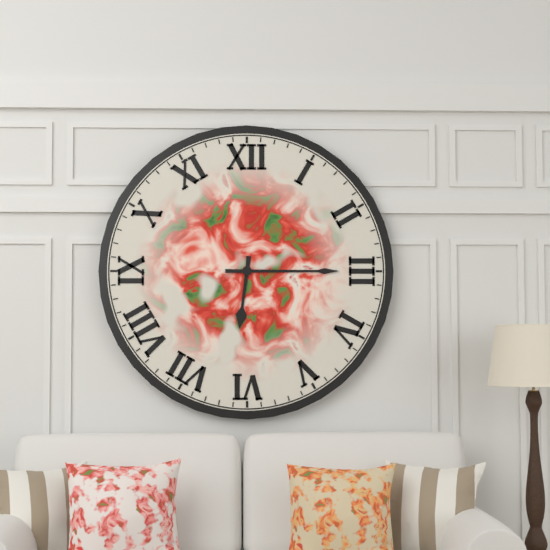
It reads **6:15**
